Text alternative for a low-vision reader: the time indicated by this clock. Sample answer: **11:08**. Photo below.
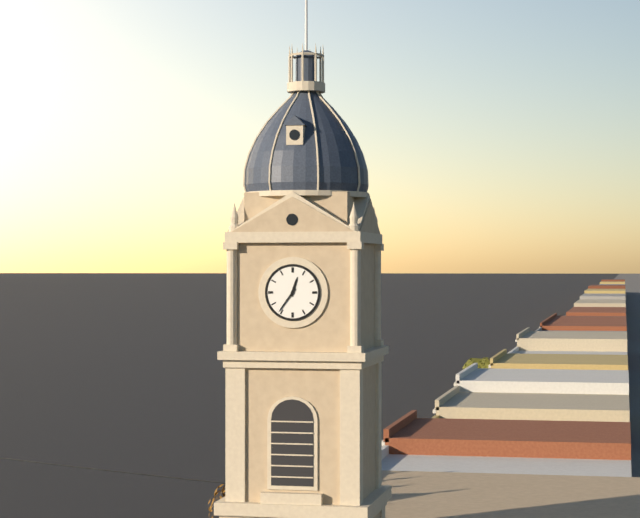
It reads **12:36**
